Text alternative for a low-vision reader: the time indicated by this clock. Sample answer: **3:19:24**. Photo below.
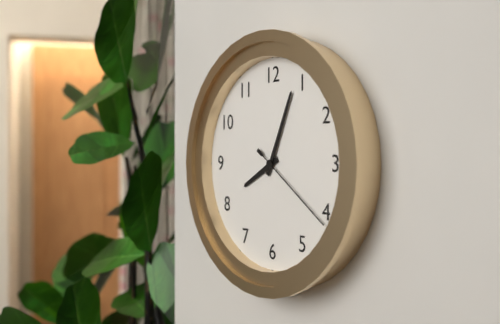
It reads **8:04:21**
